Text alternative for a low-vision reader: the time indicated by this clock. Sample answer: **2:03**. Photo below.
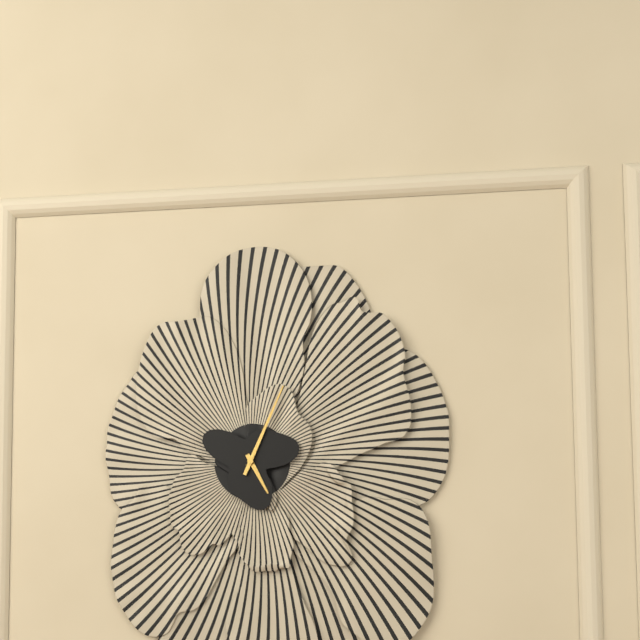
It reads **5:04**
